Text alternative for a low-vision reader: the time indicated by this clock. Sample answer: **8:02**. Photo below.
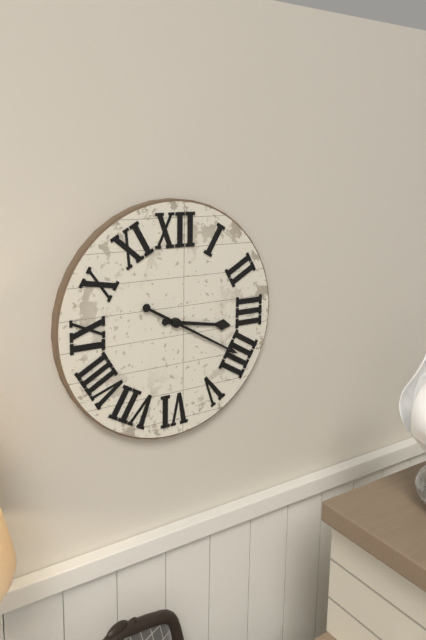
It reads **3:20**
